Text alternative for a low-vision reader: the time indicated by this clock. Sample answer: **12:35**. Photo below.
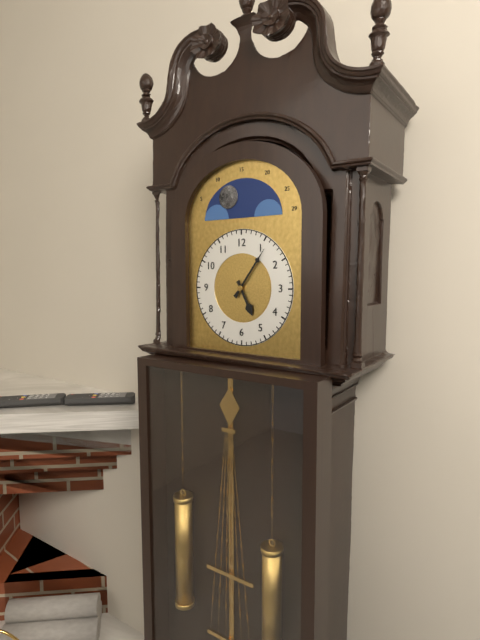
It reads **5:06**
